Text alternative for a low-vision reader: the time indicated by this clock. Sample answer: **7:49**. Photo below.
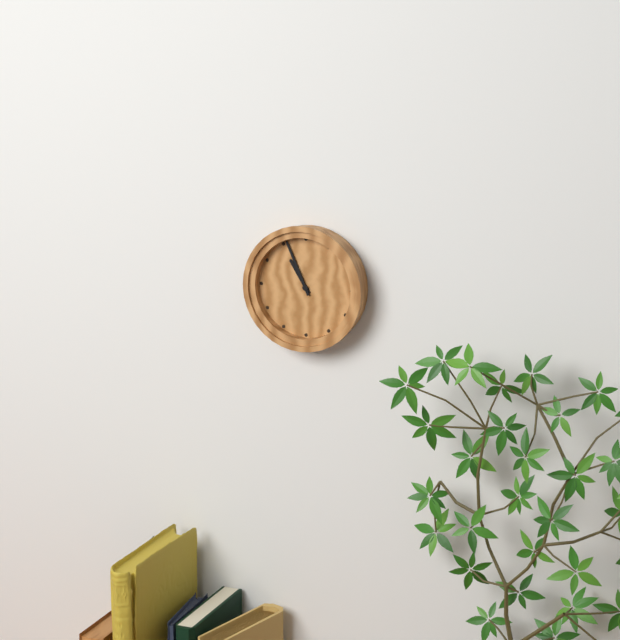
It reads **10:56**
